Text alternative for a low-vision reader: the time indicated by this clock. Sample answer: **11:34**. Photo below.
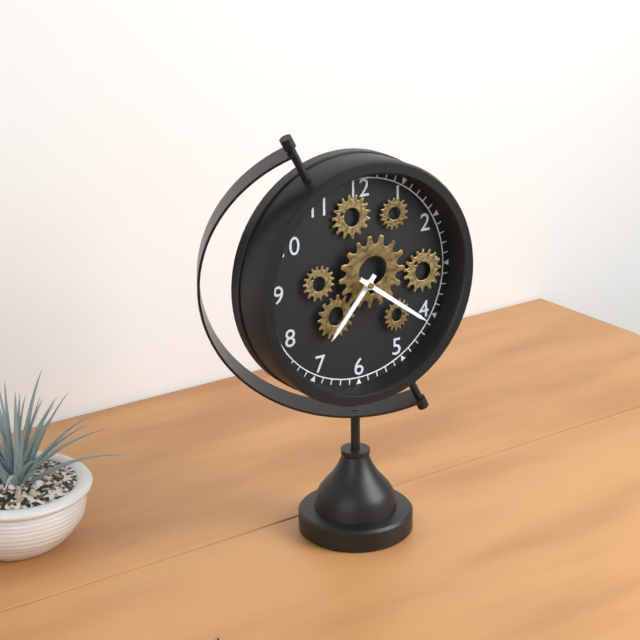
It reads **7:21**
